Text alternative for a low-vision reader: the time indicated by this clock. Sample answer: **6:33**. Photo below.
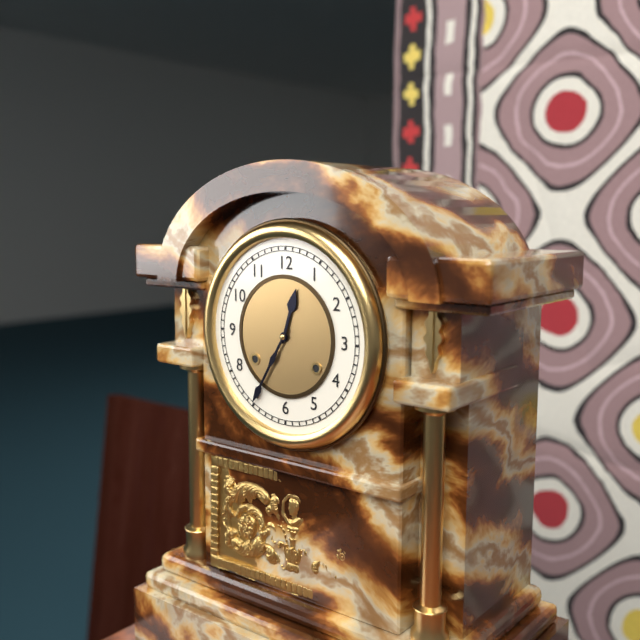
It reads **12:35**
